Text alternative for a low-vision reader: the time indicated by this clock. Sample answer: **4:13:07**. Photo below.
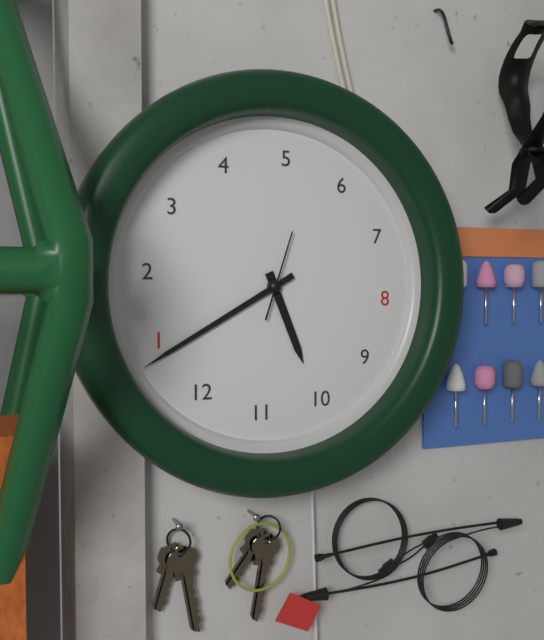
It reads **10:04:27**
